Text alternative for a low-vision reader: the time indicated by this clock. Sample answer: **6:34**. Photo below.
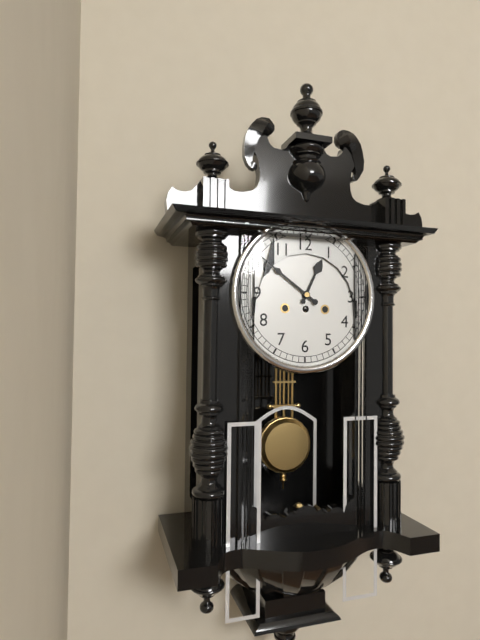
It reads **12:51**
